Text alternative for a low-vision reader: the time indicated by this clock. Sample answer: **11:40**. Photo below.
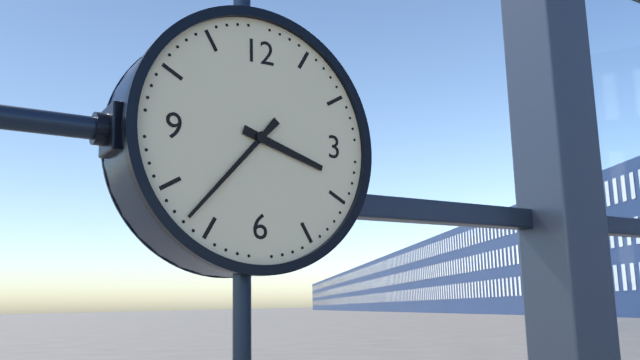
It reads **3:37**
